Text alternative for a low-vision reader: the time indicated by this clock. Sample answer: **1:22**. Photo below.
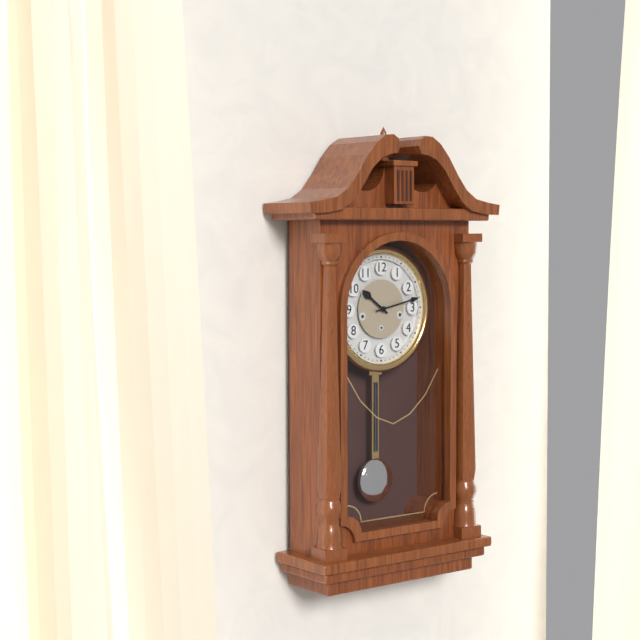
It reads **10:13**
